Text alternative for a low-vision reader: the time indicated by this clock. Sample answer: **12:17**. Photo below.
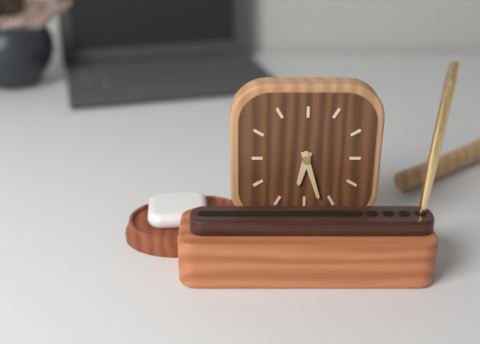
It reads **6:27**
